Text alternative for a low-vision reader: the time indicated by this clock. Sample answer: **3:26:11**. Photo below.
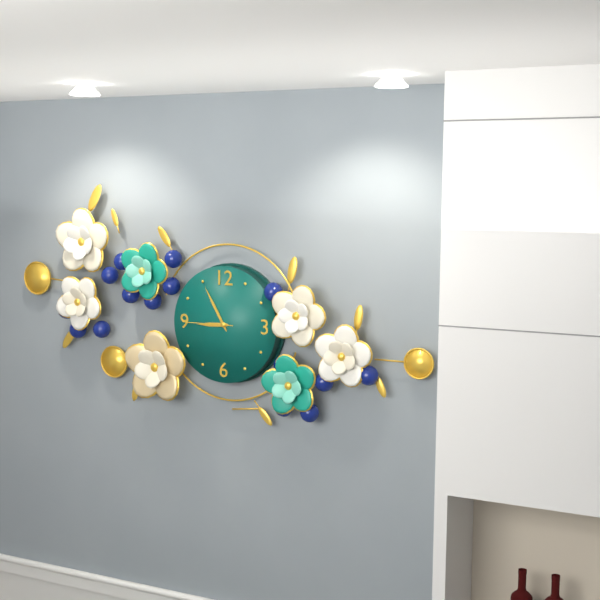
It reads **8:55:45**
